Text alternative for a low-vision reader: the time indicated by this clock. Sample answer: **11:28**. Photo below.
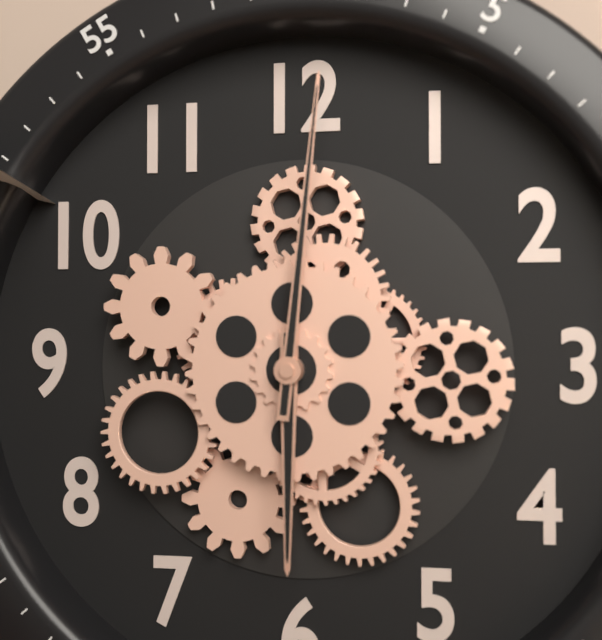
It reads **6:01**
